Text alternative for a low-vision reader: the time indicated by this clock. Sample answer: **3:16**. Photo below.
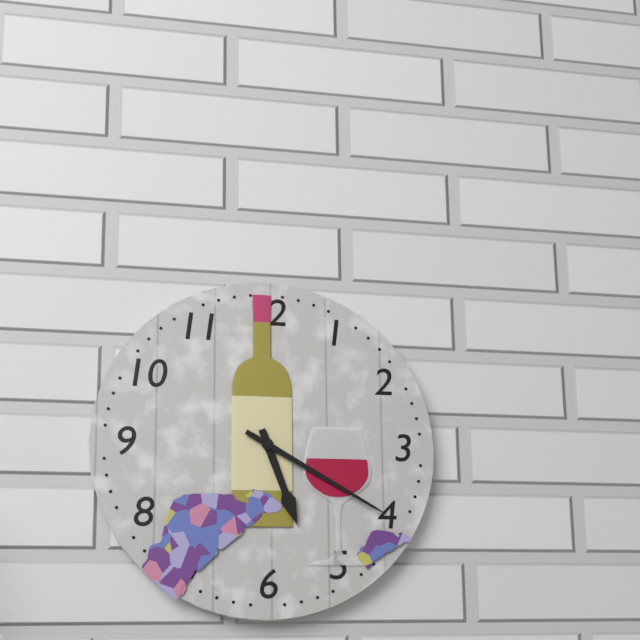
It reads **5:20**
